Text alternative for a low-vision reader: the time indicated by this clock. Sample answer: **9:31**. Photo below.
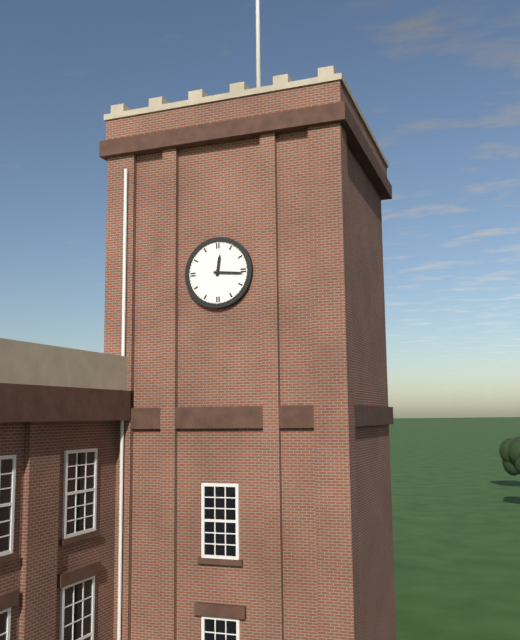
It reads **12:16**
